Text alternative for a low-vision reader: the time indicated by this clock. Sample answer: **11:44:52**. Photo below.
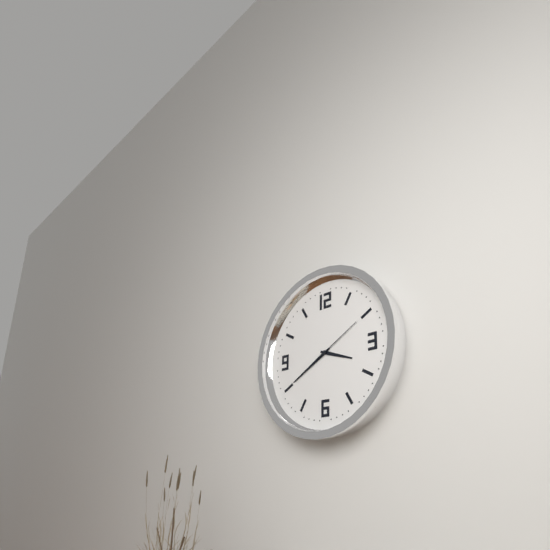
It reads **3:40:10**
